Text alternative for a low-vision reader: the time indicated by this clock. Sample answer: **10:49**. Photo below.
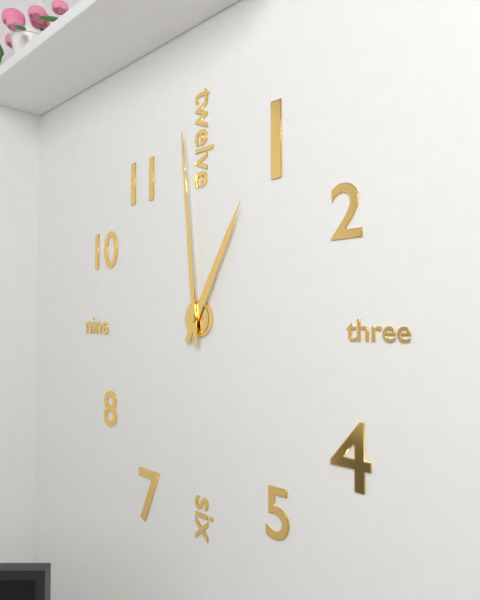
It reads **12:59**
